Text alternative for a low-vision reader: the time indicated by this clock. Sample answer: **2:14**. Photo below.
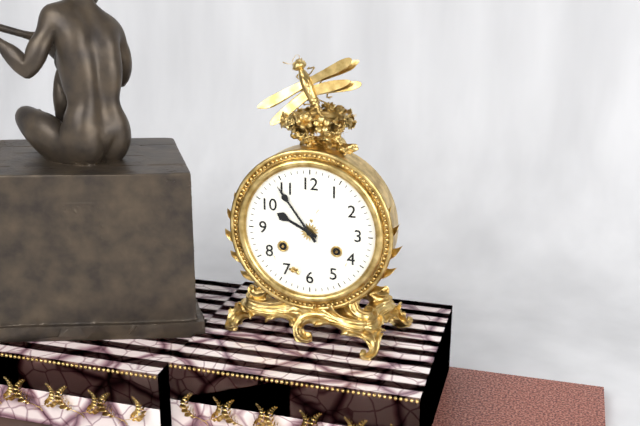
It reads **9:54**
